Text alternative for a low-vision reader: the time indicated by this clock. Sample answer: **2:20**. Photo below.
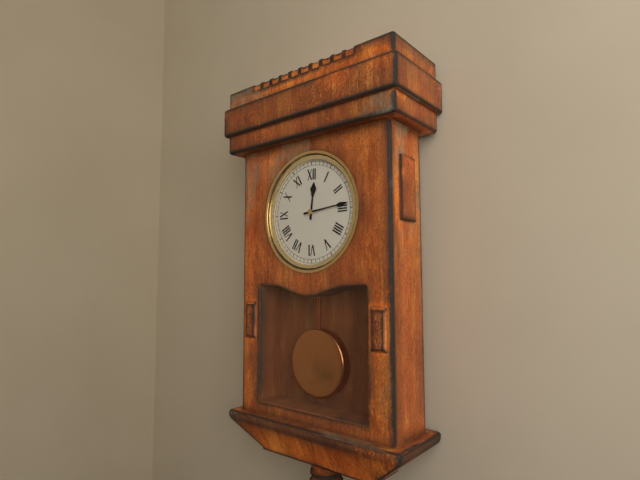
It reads **12:14**
